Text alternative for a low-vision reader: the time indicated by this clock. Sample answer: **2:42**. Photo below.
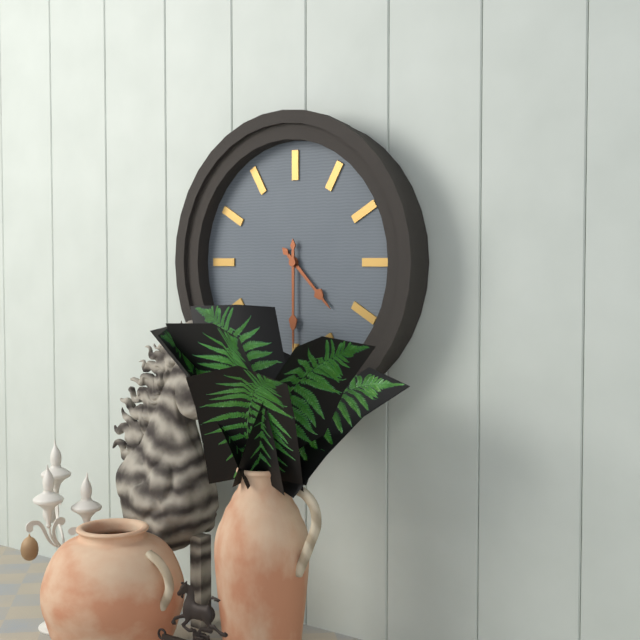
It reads **4:30**
